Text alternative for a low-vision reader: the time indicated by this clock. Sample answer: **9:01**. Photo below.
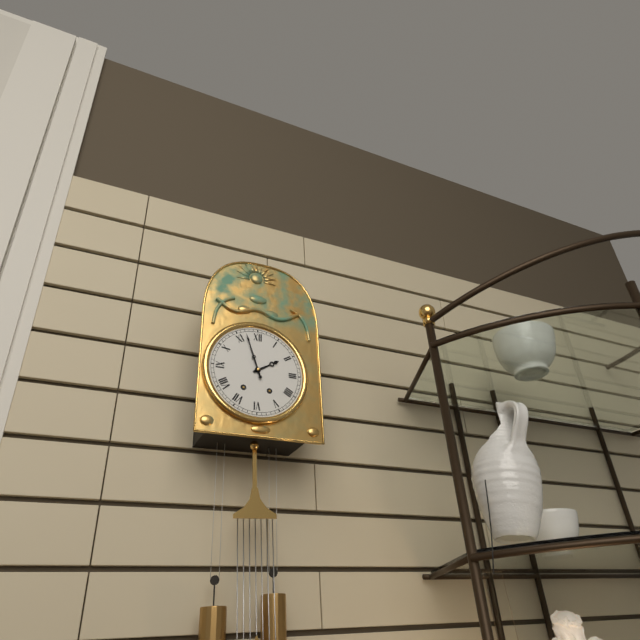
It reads **1:57**
